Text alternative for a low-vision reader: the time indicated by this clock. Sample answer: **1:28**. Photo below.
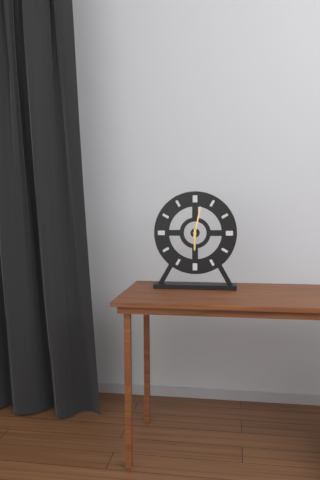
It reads **6:02**
